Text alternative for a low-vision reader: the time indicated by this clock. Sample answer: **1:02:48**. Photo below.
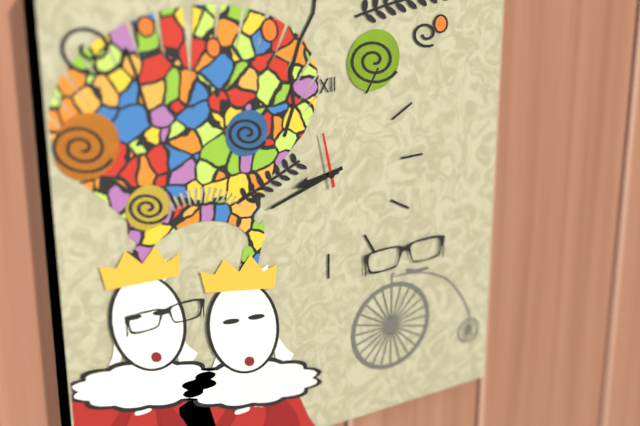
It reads **8:42:58**
